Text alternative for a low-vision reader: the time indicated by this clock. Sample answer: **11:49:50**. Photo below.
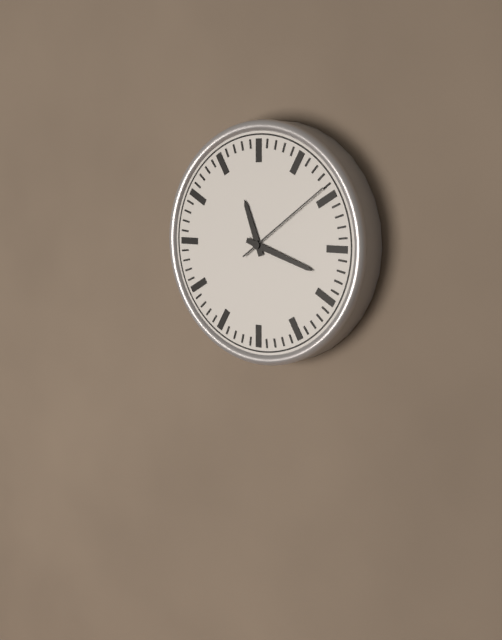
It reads **11:18:09**
